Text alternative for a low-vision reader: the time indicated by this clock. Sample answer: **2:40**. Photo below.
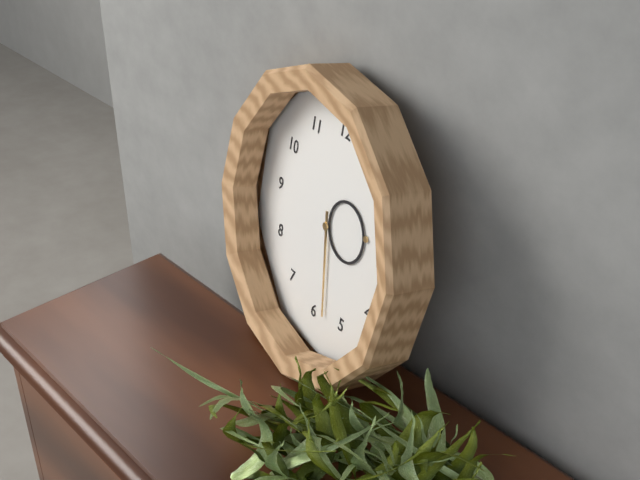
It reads **2:28**
